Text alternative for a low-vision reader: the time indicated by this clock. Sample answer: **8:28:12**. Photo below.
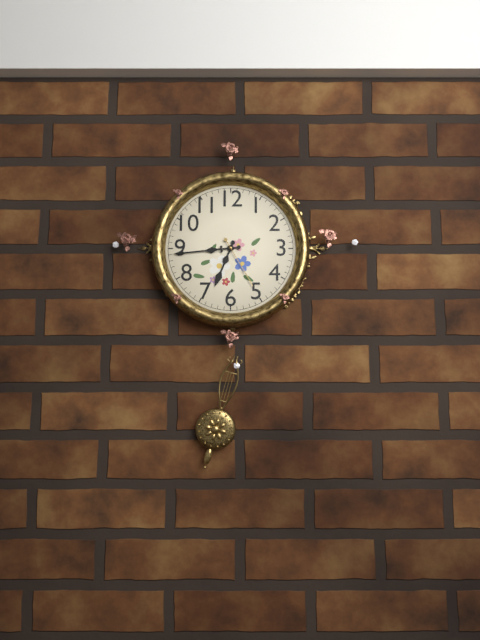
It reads **6:44:25**
